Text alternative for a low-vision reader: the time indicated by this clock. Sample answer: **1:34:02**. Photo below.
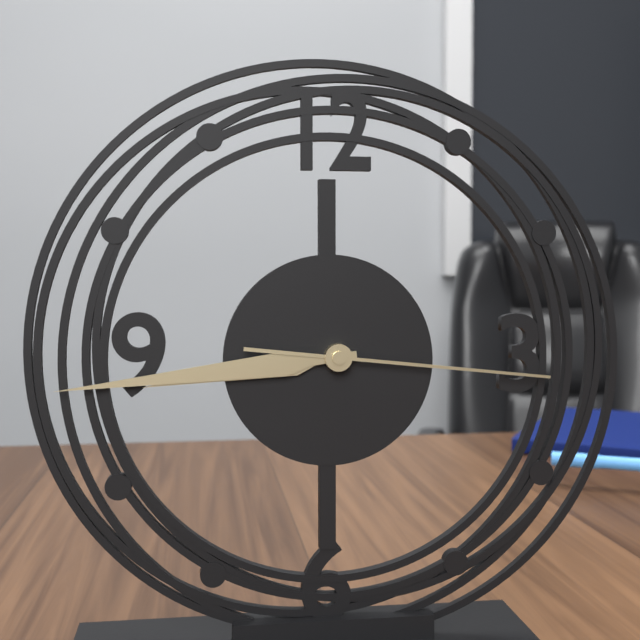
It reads **8:44:16**
